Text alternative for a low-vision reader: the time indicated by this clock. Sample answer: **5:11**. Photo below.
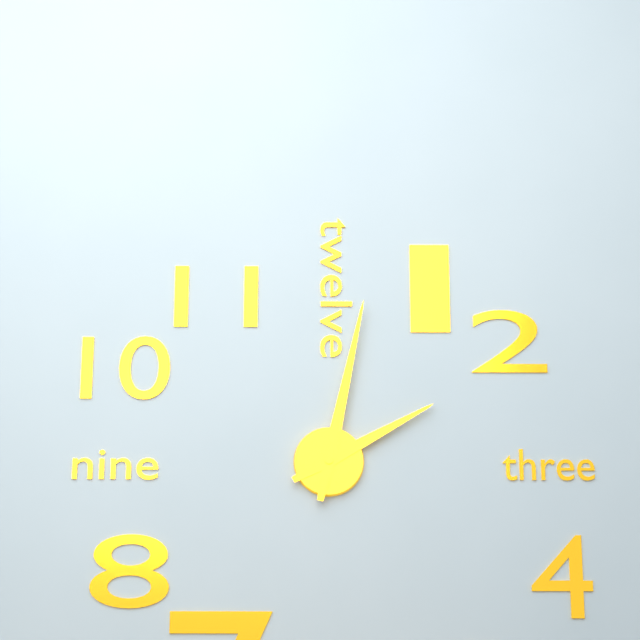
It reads **2:02**
